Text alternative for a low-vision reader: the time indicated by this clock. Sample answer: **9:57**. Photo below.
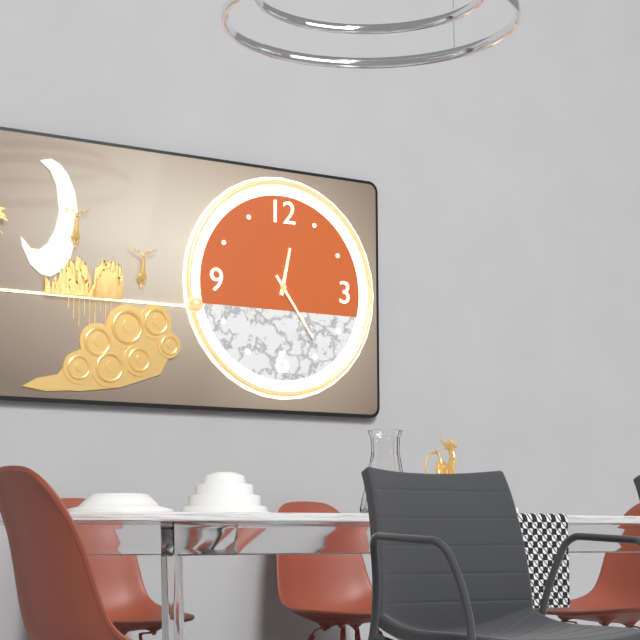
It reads **12:24**
